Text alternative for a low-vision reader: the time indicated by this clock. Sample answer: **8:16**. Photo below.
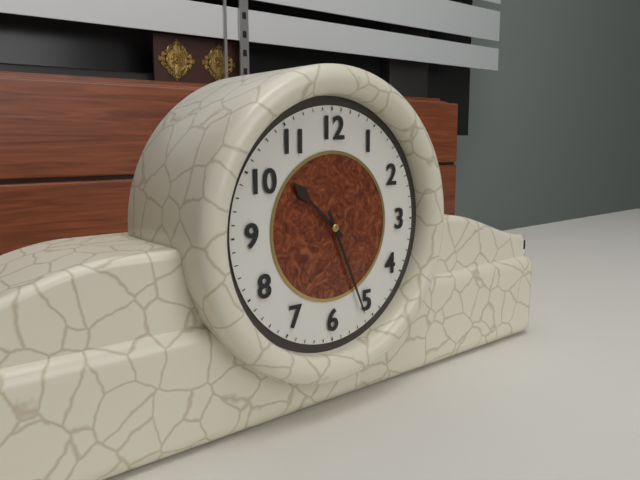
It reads **10:26**
